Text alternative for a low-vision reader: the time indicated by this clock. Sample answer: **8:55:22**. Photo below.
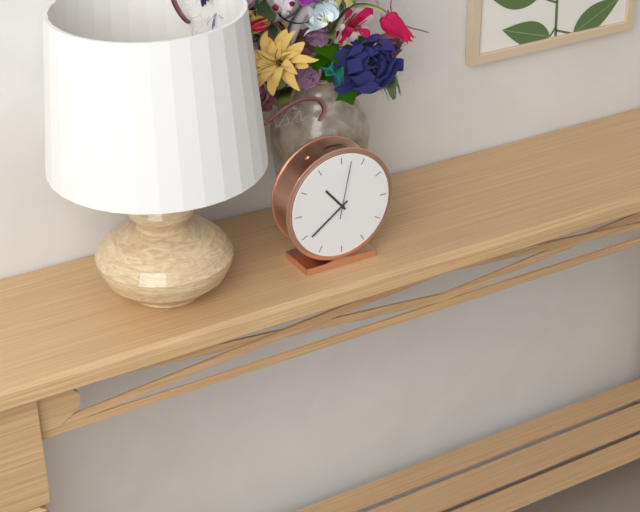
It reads **10:39:02**
